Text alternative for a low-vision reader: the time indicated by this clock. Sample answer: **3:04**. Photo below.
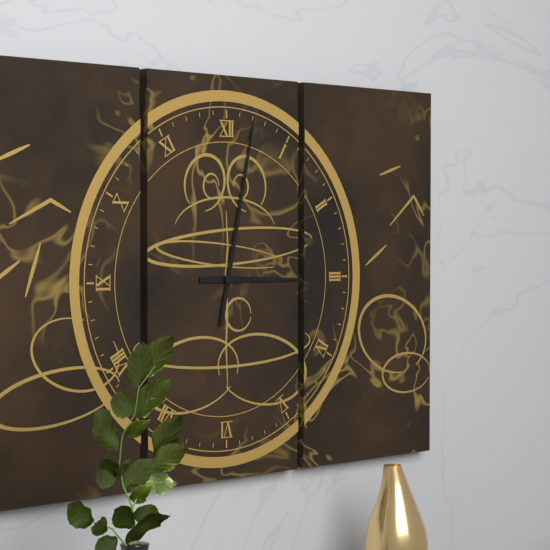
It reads **3:02**
